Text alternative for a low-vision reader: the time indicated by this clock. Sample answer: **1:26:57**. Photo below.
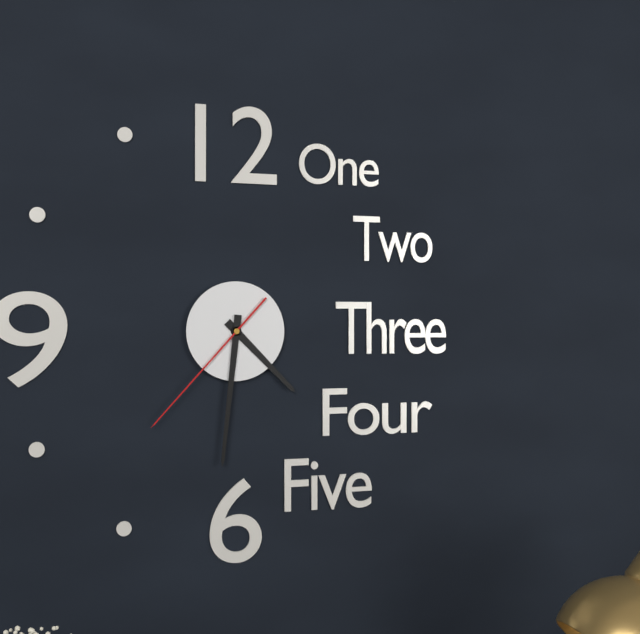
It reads **4:31:37**
